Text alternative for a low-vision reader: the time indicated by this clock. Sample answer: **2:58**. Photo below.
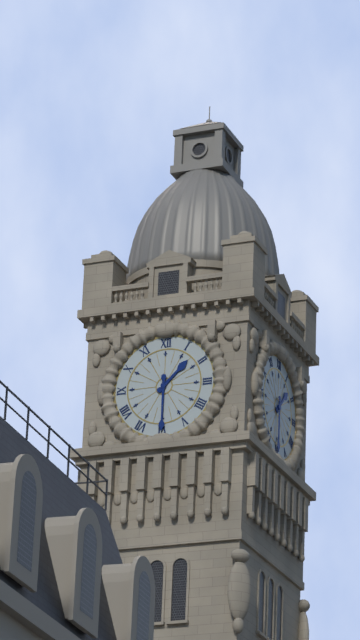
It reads **1:30**
